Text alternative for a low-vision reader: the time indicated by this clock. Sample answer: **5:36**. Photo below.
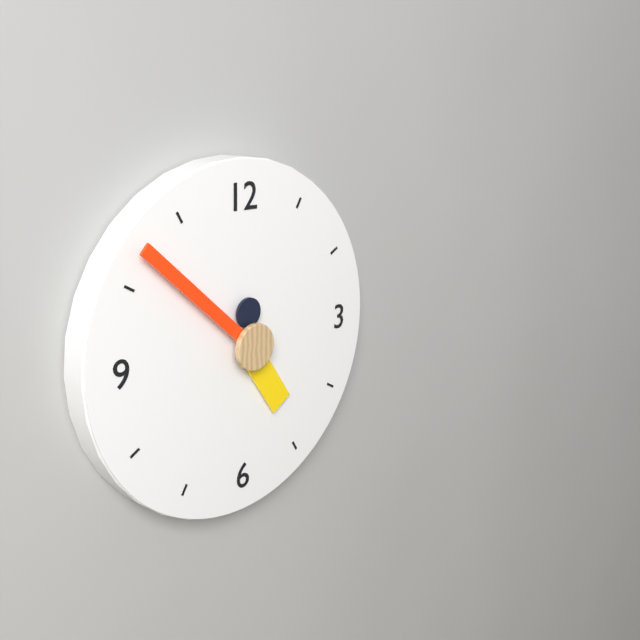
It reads **4:52**
